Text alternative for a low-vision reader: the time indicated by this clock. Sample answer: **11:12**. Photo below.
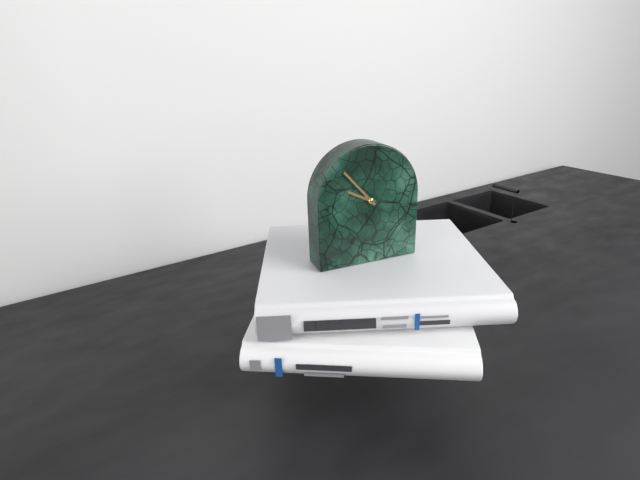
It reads **9:53**
